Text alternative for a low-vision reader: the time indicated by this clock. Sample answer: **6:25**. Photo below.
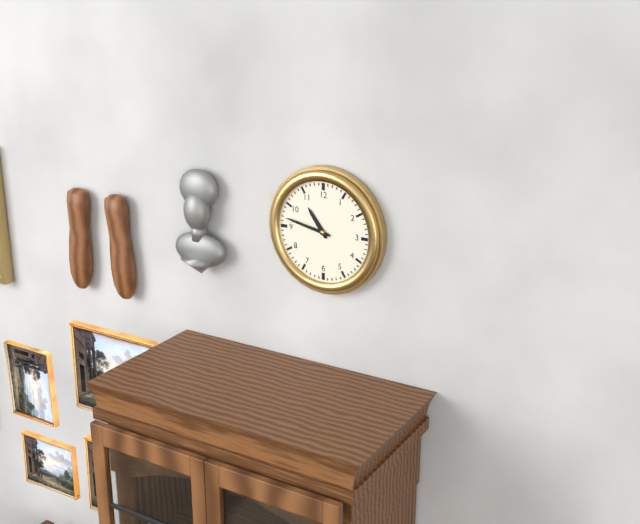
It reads **10:47**
